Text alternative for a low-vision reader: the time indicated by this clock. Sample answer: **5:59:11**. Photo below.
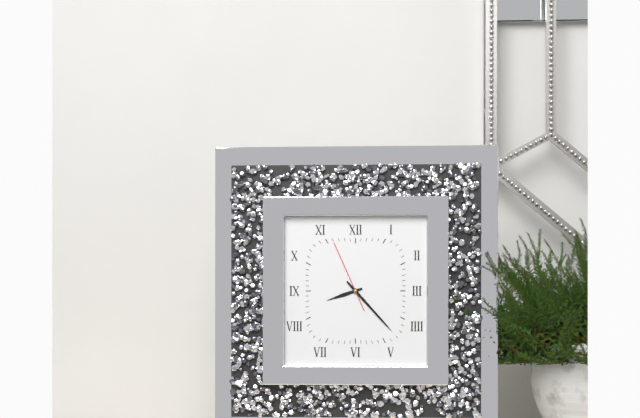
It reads **8:23:56**
